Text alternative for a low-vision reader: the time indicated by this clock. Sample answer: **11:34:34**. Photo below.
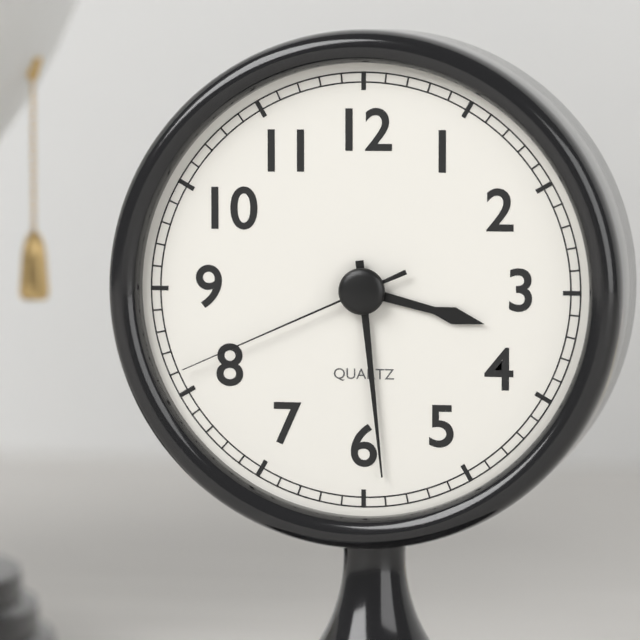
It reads **3:29:41**
